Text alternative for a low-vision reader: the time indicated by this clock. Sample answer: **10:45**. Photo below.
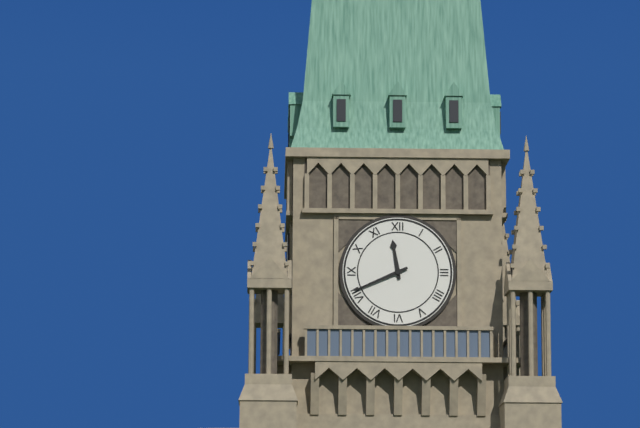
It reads **11:41**
